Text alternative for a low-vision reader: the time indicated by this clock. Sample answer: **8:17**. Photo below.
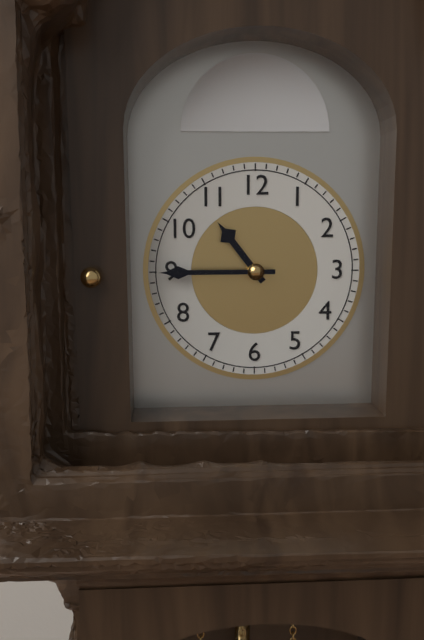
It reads **10:45**
